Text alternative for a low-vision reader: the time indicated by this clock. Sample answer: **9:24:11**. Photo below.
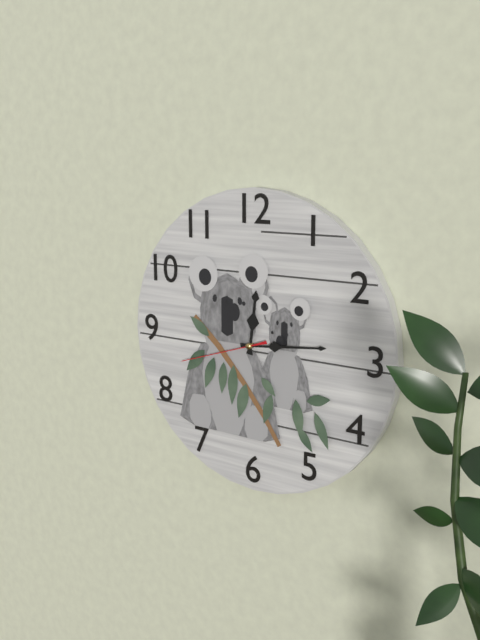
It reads **12:14:42**
